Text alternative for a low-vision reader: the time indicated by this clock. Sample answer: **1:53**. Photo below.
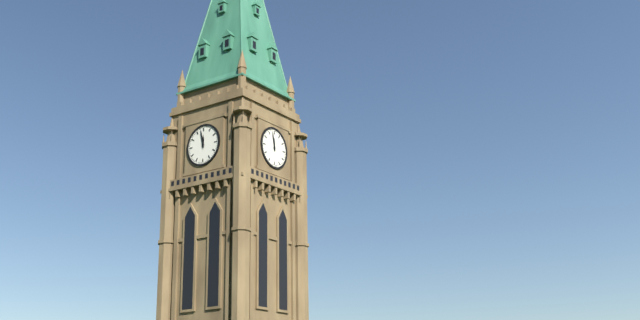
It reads **11:58**
